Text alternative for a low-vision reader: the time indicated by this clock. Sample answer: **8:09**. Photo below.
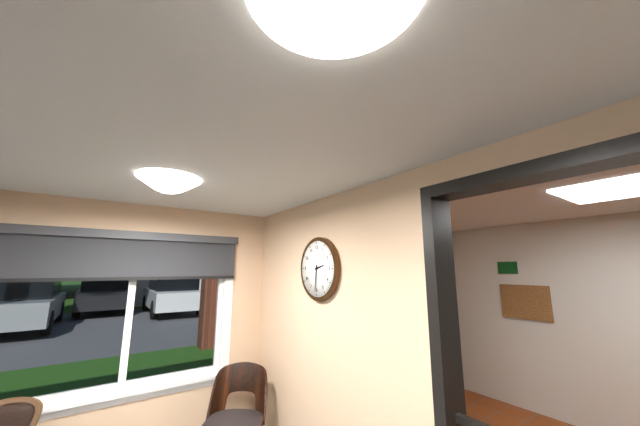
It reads **2:31**
